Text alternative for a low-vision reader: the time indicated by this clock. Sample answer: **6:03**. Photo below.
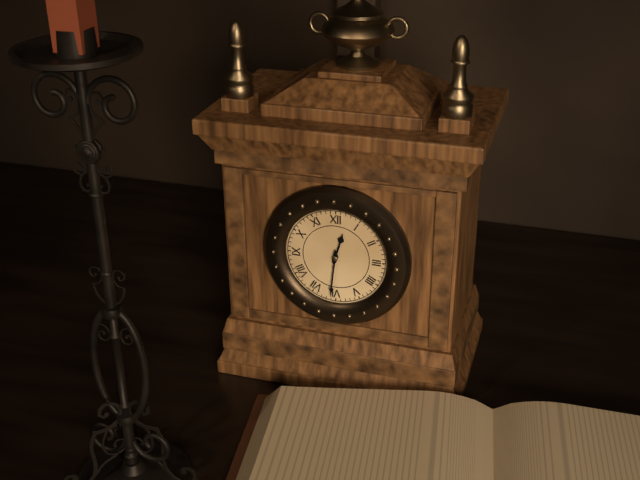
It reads **12:31**
